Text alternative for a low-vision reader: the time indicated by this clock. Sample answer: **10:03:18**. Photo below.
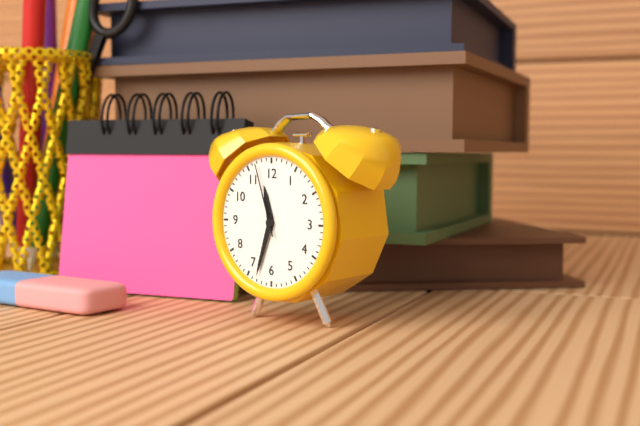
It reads **11:33:57**
